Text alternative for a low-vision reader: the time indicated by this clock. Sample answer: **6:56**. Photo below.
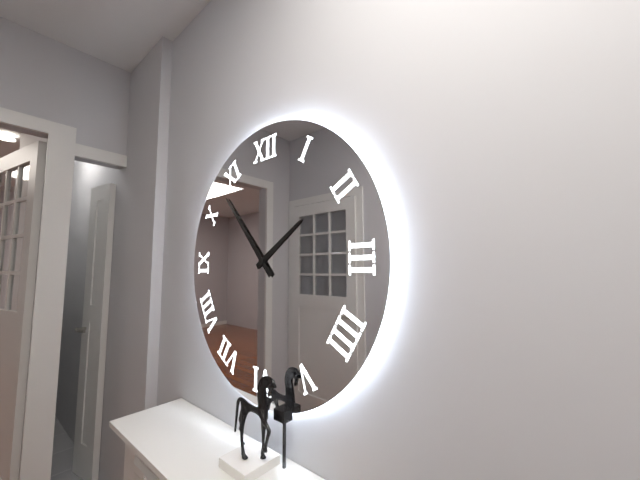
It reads **1:53**
